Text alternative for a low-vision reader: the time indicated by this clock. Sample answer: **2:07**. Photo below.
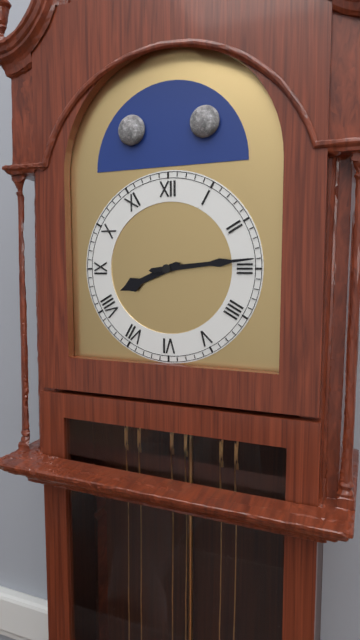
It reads **8:14**
